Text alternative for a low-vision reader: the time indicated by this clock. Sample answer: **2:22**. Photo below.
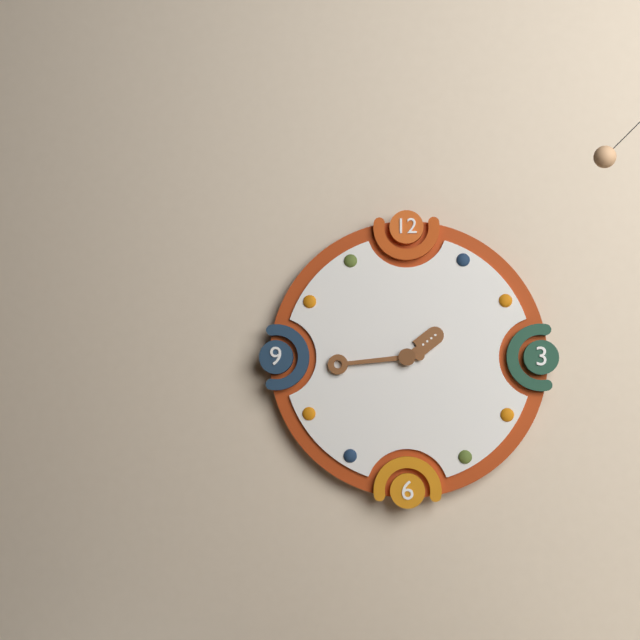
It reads **1:44**
